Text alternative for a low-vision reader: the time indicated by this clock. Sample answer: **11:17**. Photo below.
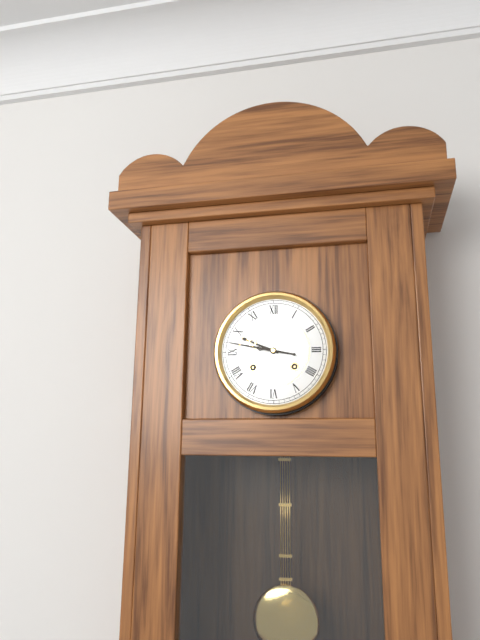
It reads **9:47**
